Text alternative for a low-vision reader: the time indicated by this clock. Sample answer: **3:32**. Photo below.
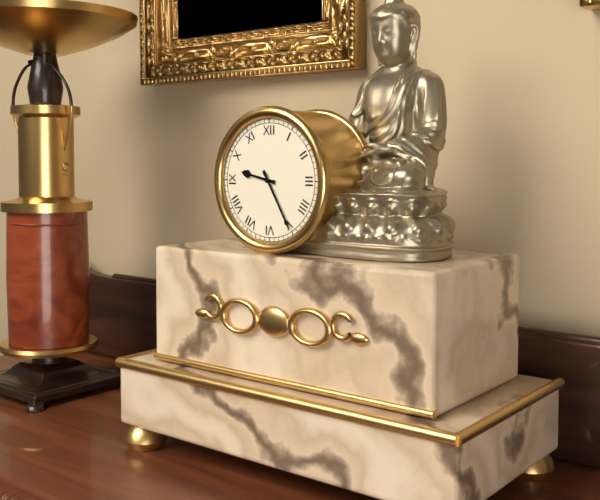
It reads **9:25**
